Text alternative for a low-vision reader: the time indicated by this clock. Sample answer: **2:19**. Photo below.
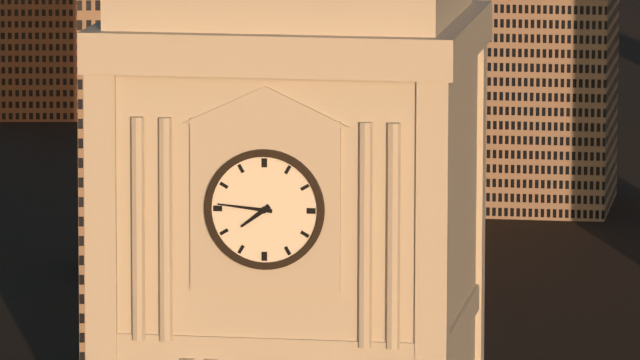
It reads **7:46**
